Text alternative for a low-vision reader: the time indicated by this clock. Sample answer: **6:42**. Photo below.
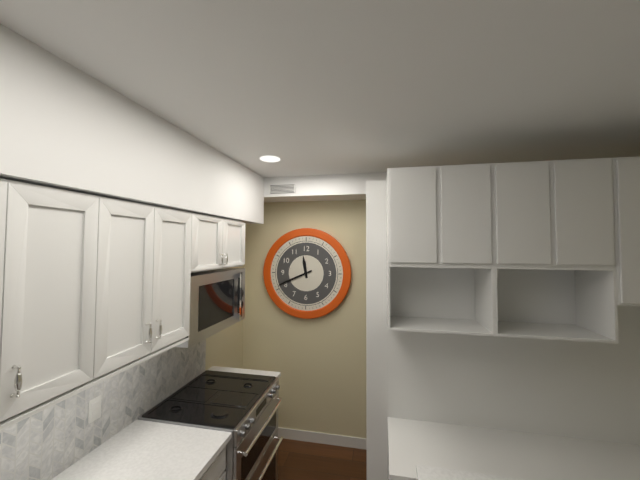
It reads **11:41**
